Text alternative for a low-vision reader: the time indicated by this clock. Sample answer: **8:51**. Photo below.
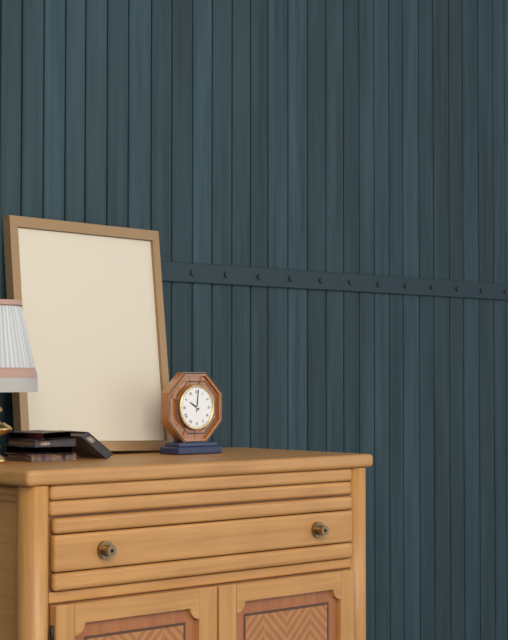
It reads **10:01**
